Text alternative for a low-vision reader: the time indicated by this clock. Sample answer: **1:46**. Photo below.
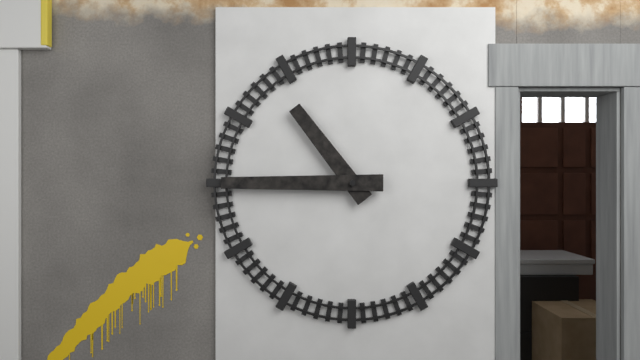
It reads **10:45**
